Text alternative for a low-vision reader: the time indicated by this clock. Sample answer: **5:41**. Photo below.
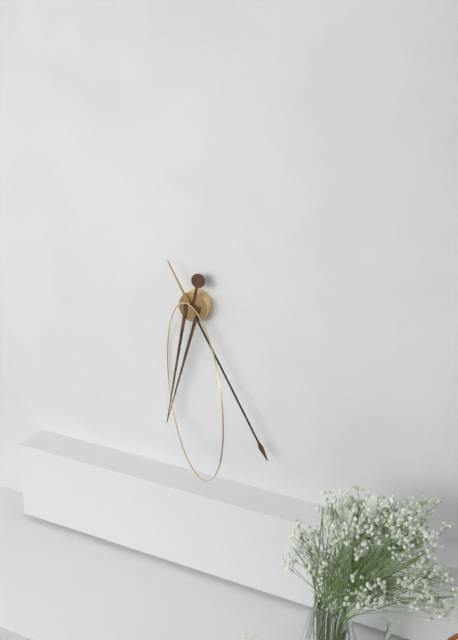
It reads **6:25**
